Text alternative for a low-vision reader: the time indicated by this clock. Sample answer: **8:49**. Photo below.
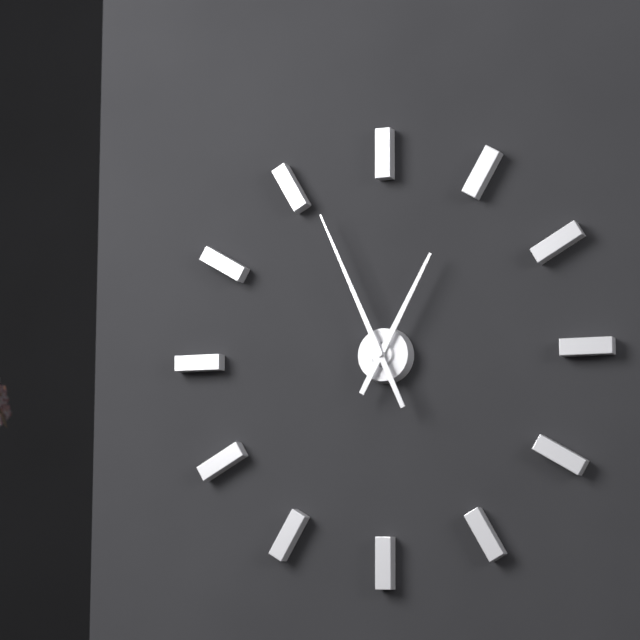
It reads **12:56**
